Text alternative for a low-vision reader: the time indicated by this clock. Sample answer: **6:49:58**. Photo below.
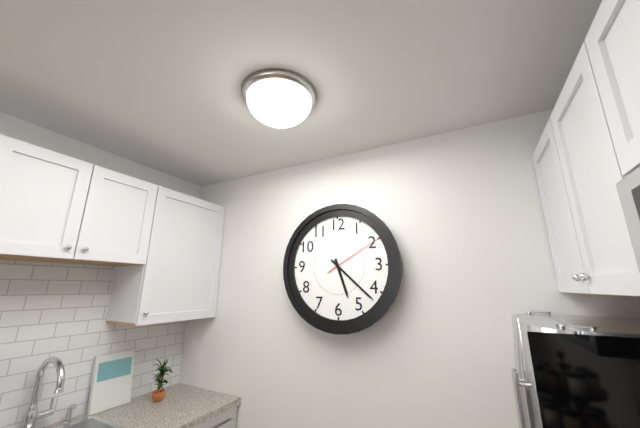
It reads **5:22:10**
